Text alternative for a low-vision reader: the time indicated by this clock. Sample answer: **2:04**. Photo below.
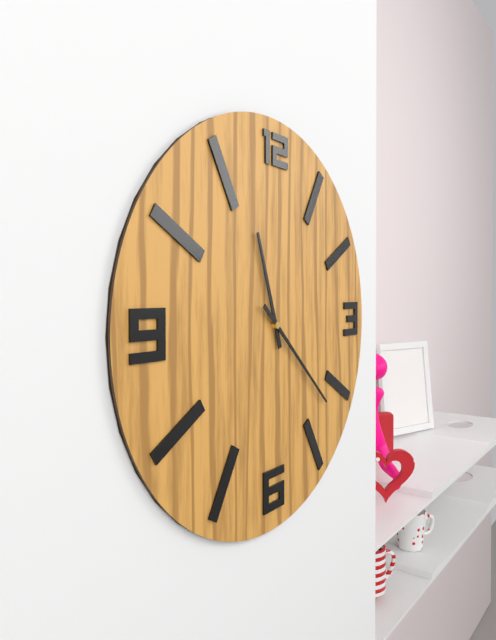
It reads **11:22**
